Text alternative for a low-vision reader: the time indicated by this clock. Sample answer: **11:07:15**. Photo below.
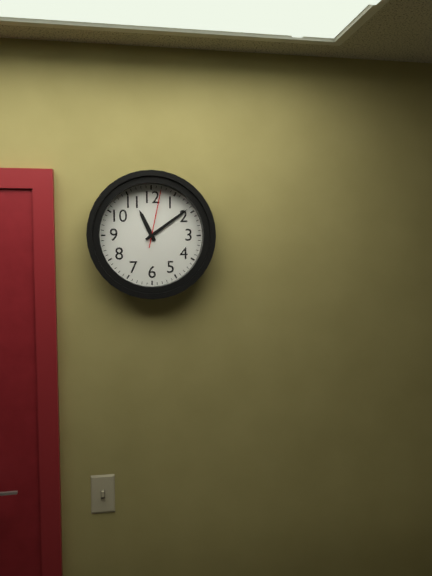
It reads **11:09:02**
